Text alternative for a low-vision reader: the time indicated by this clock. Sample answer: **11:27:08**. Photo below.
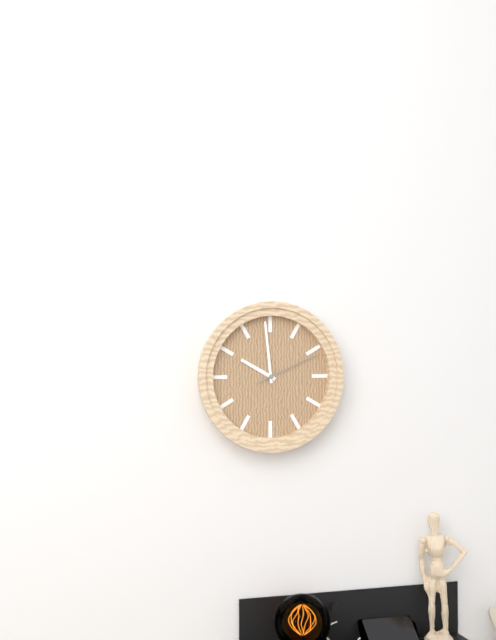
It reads **9:59:11**
